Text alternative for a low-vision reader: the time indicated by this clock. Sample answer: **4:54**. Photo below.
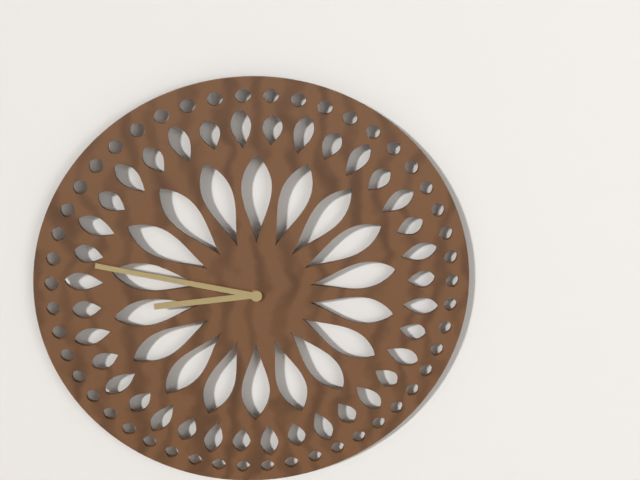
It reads **8:47**
